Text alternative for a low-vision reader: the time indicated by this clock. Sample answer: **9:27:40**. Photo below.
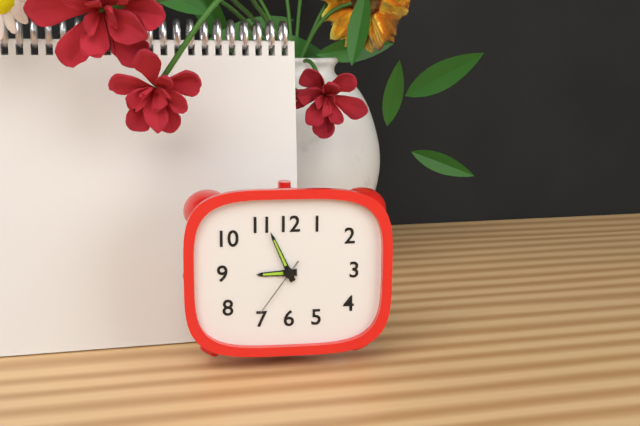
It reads **8:56:36**
